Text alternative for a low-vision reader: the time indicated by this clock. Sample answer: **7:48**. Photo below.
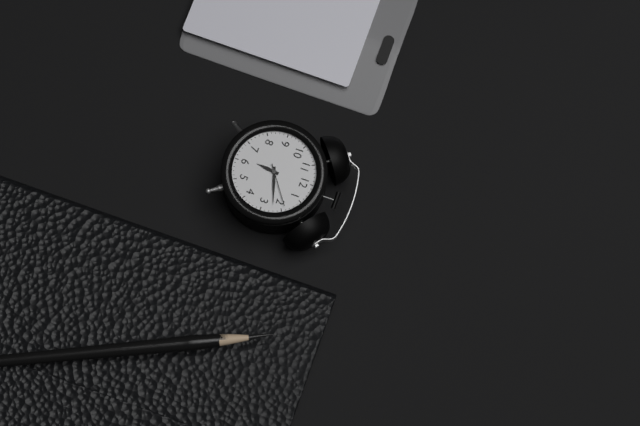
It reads **6:12**
